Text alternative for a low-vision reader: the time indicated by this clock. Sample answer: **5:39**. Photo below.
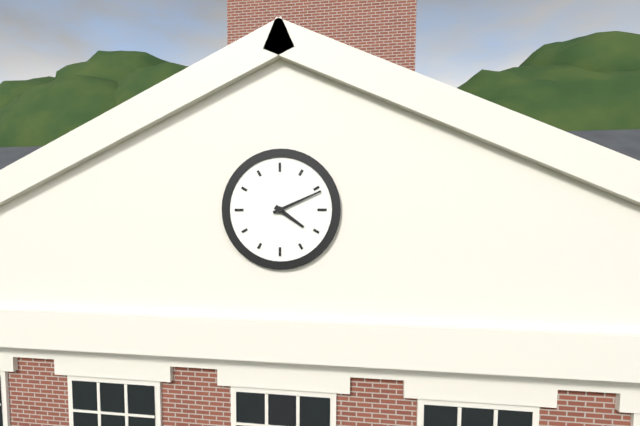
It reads **4:11**
